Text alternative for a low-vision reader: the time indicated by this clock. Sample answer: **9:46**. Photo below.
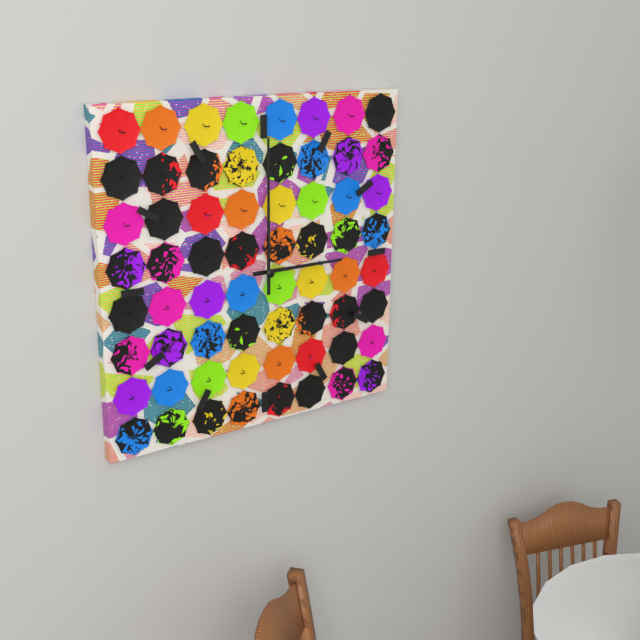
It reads **3:00**
